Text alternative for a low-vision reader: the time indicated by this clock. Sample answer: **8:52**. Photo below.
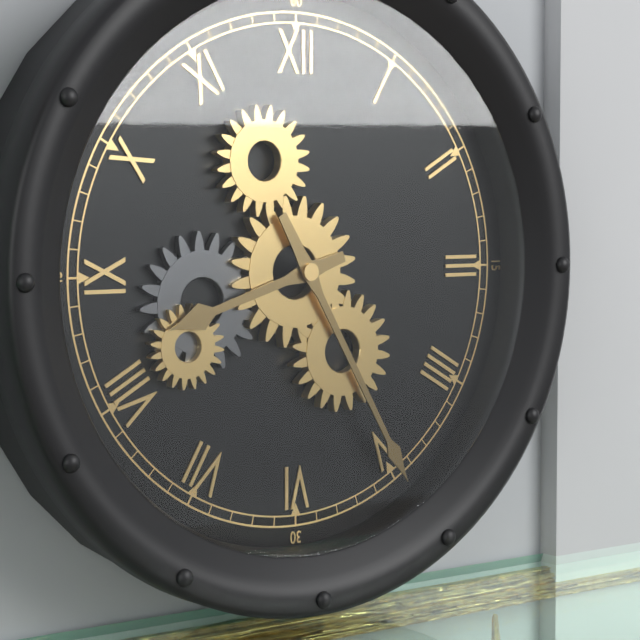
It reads **8:25**
